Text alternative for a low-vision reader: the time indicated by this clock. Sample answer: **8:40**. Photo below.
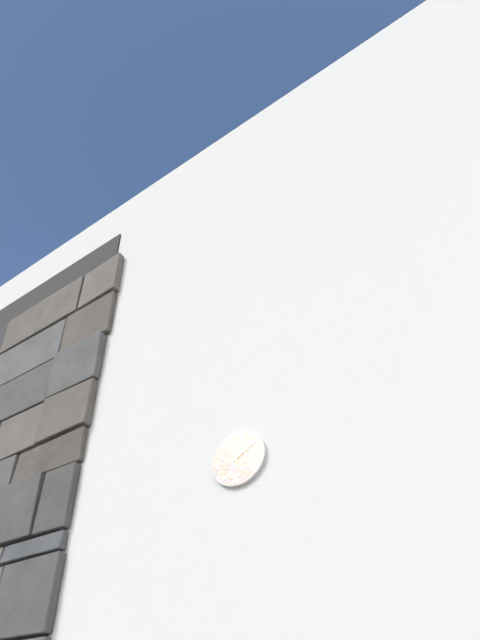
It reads **12:10**
